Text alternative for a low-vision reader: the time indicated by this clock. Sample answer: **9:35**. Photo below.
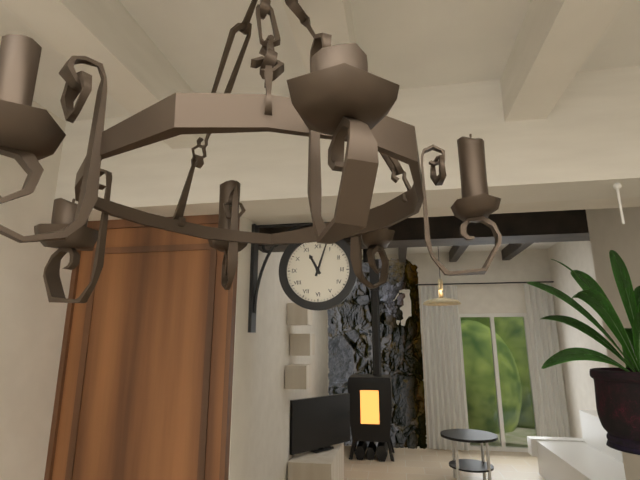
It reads **11:03**
